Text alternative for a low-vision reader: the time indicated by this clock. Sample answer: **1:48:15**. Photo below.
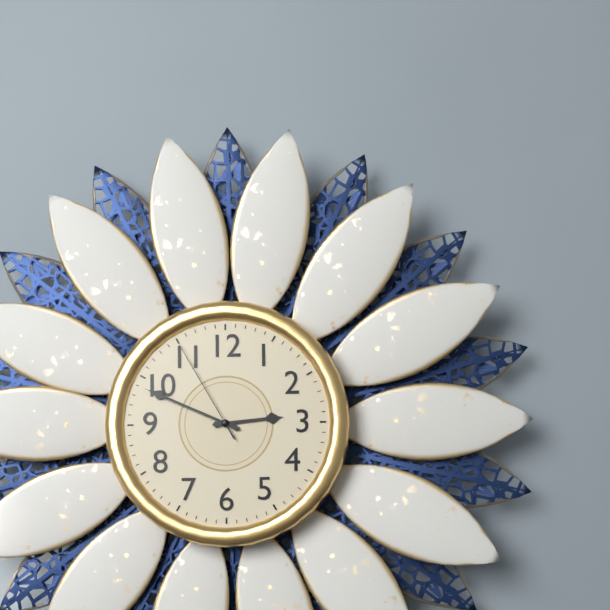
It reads **2:49:55**
